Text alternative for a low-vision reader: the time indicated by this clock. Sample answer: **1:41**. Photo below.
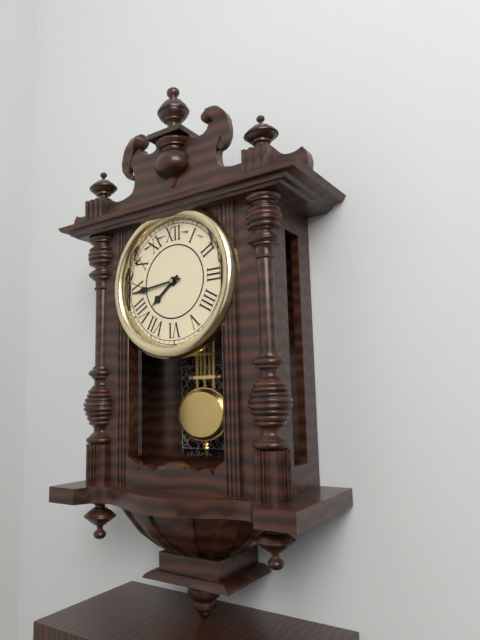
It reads **7:44**
